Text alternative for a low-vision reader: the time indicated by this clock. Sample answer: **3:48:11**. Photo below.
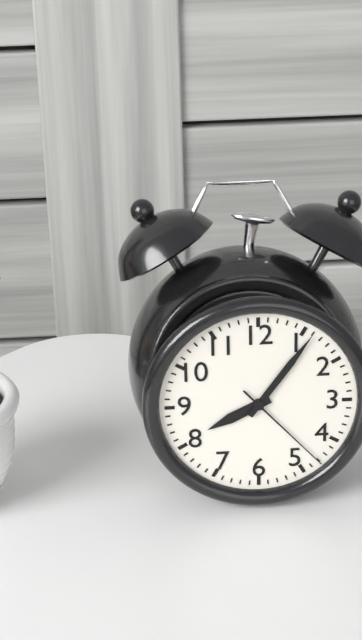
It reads **8:06:23**
